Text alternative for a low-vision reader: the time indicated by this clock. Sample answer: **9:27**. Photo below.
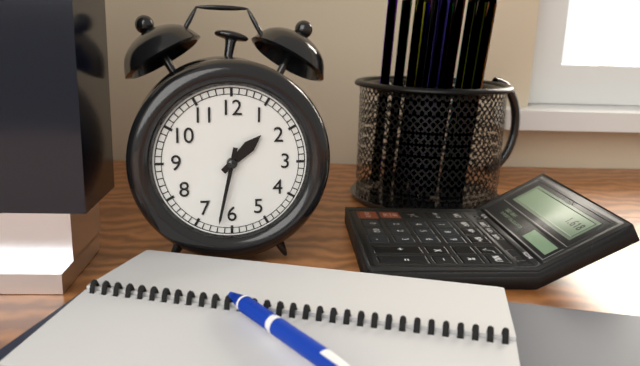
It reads **1:32**
